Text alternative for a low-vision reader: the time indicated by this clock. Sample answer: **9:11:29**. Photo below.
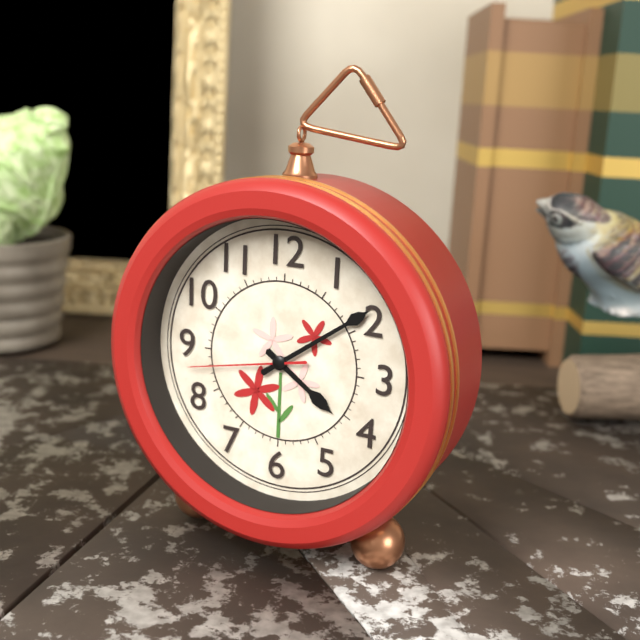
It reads **4:09:43**
